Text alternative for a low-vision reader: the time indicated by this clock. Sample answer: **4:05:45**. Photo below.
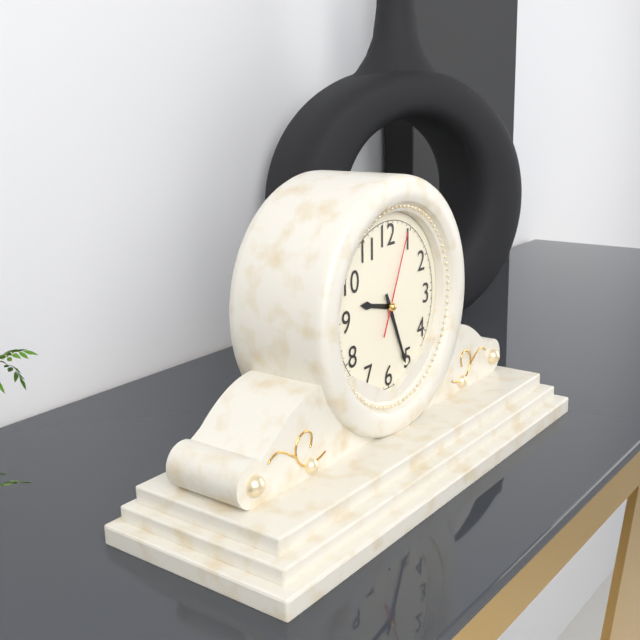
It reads **9:26:04**
